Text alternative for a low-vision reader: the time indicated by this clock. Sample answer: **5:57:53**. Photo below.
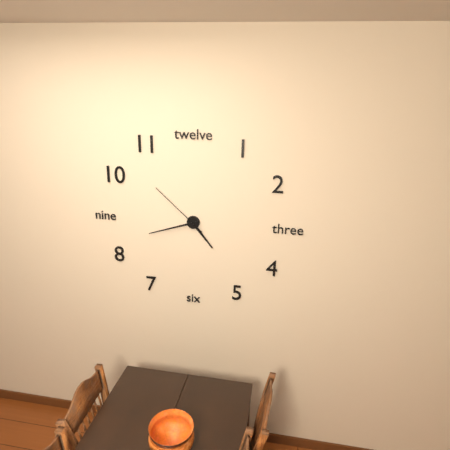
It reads **4:42:52**
